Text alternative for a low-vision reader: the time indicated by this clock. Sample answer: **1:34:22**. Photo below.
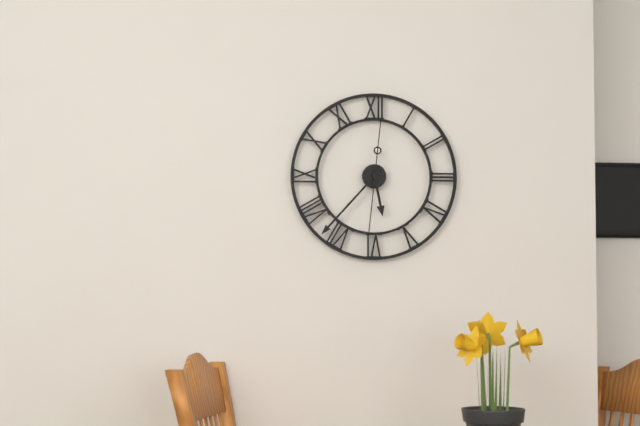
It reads **5:37:31**
